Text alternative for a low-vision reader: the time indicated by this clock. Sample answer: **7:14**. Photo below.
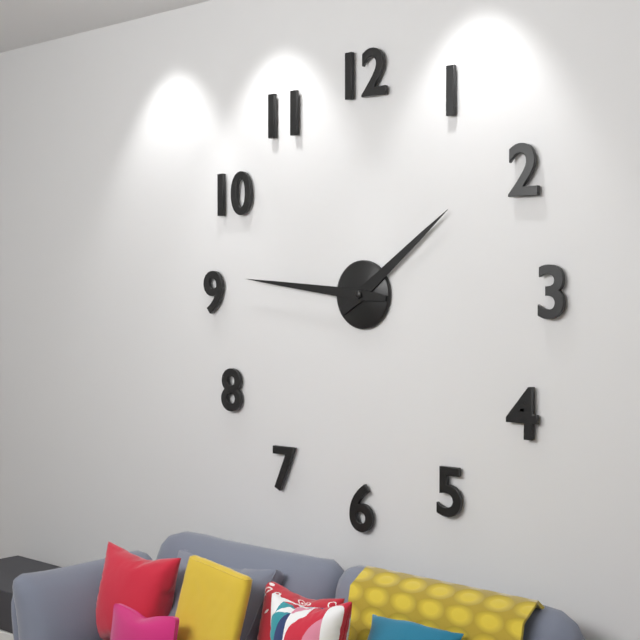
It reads **1:46**
